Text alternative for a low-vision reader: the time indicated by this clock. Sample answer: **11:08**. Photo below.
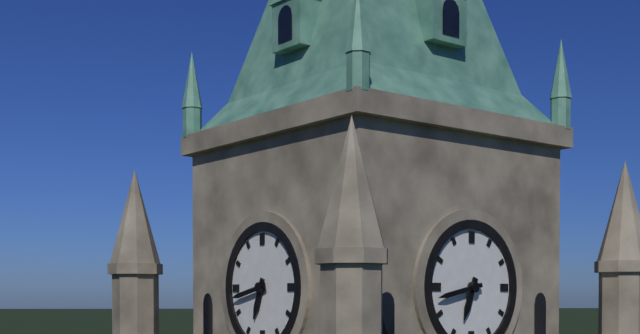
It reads **6:43**
